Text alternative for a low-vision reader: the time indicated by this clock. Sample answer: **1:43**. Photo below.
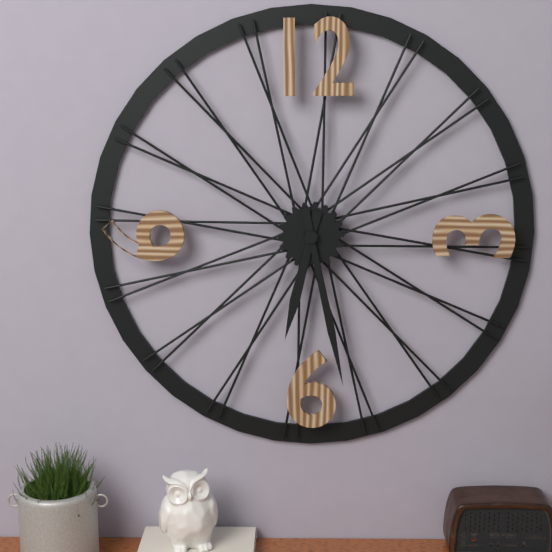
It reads **6:28**
